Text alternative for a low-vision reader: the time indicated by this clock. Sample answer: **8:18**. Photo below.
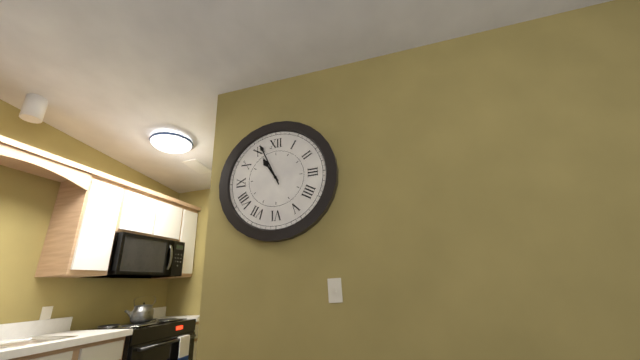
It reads **10:56**
